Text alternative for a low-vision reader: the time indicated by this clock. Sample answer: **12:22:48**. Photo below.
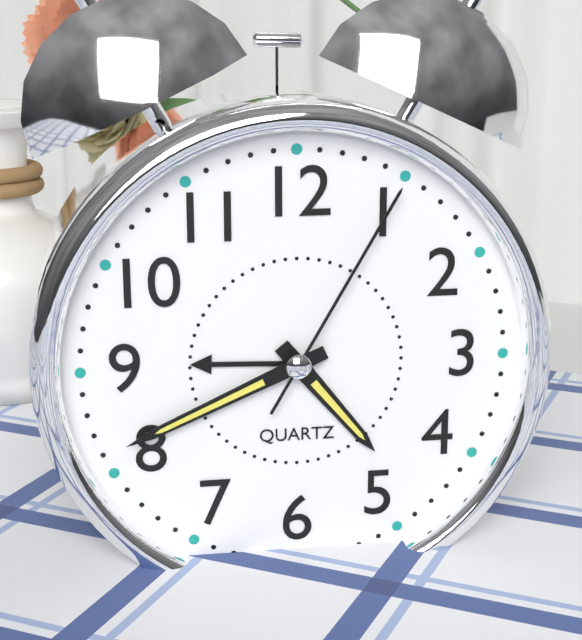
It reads **4:41:05**
